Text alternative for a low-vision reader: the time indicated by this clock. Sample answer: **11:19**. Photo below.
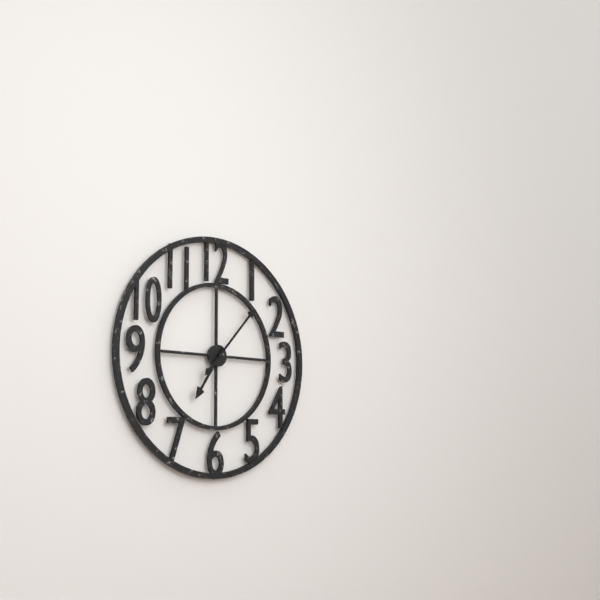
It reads **7:07**
